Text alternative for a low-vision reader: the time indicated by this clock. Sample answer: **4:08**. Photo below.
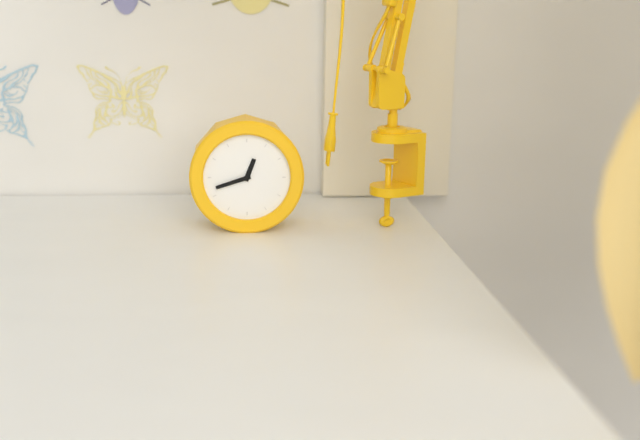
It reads **12:42**
